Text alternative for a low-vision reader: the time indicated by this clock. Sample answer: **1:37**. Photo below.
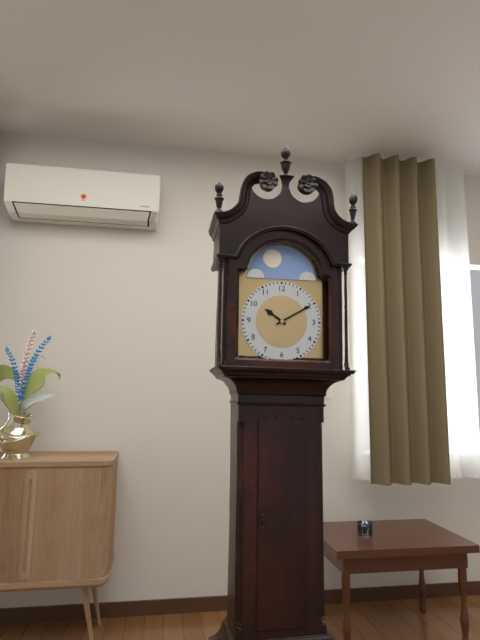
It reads **10:10**
